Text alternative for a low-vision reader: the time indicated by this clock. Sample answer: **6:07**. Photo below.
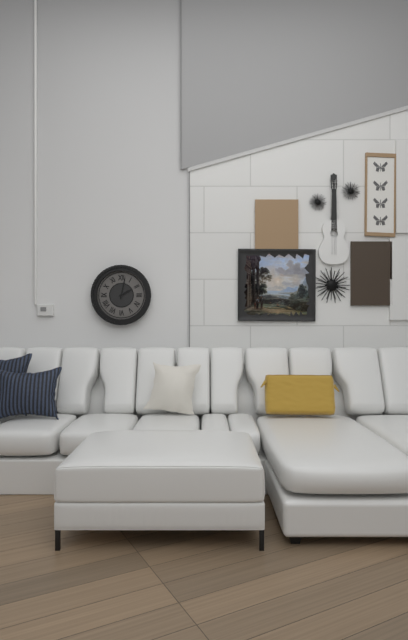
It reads **2:02**
